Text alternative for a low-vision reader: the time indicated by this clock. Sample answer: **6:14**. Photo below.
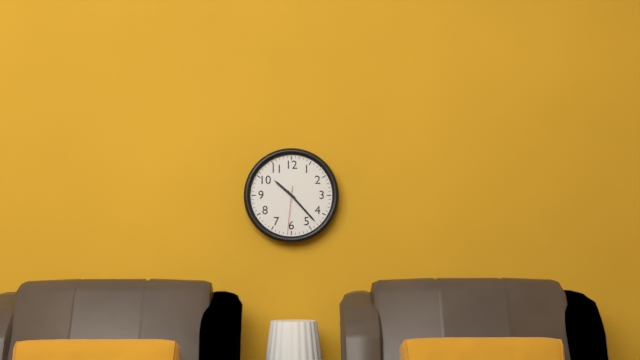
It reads **10:23**
